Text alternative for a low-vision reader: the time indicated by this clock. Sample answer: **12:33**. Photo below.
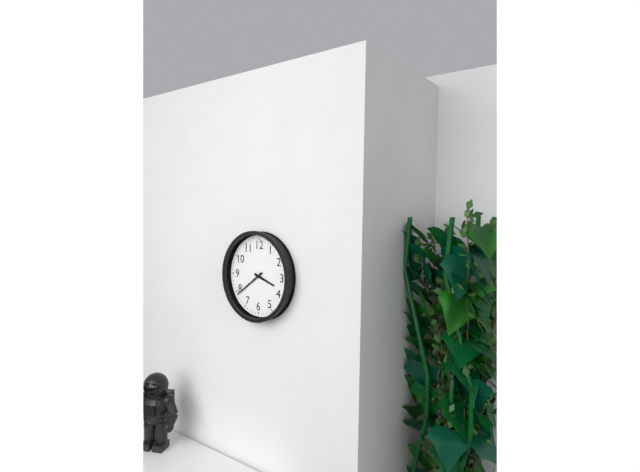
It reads **3:39**
